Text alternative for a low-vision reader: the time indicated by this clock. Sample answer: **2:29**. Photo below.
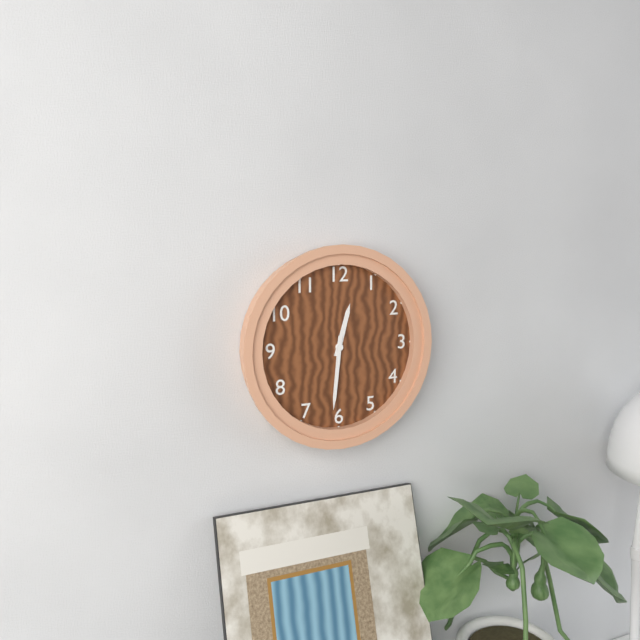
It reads **12:31**
